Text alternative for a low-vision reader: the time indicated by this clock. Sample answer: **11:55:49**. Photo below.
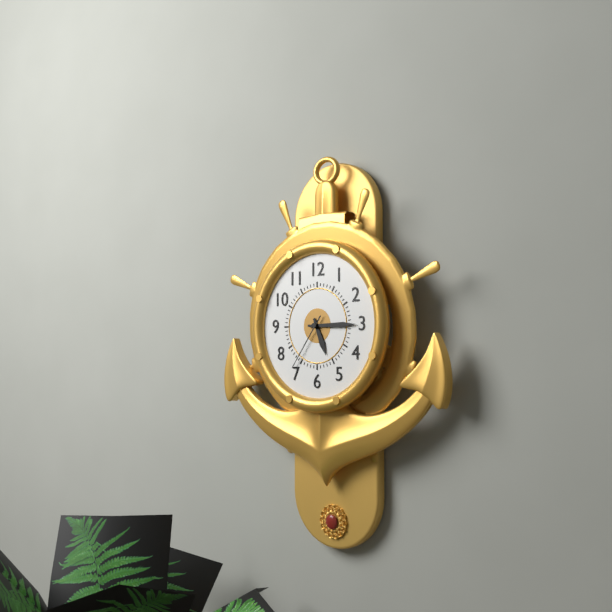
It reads **5:15:36**
